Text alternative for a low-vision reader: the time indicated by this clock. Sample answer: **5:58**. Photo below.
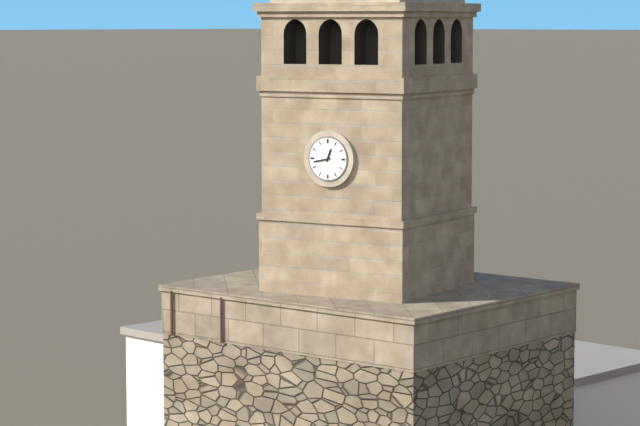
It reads **12:43**
